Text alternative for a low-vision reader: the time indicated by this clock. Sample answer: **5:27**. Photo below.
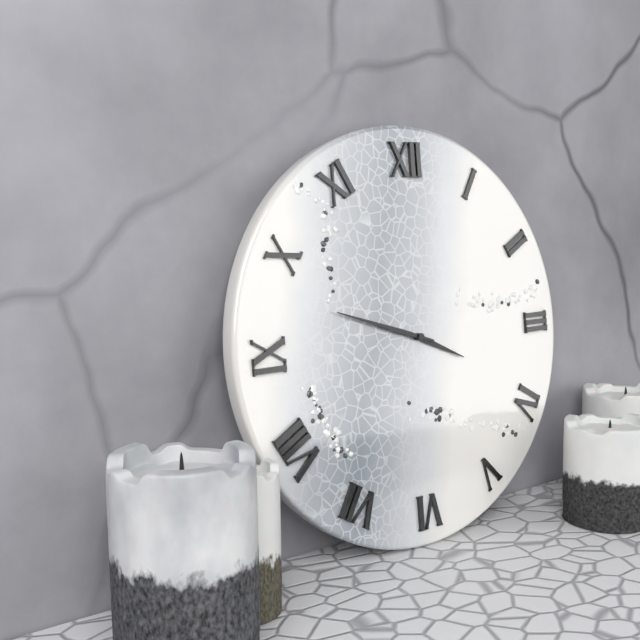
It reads **3:48**
